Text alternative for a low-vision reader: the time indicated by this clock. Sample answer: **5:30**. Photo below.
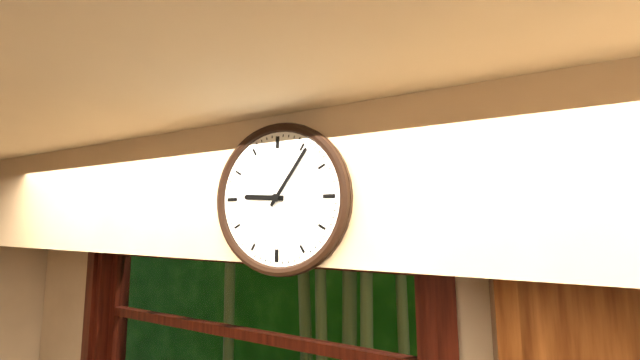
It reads **9:06**
